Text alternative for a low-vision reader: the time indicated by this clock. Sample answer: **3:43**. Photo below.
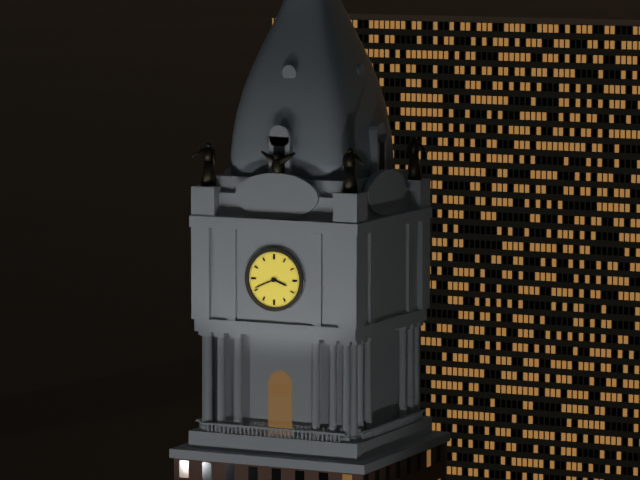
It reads **3:41**
